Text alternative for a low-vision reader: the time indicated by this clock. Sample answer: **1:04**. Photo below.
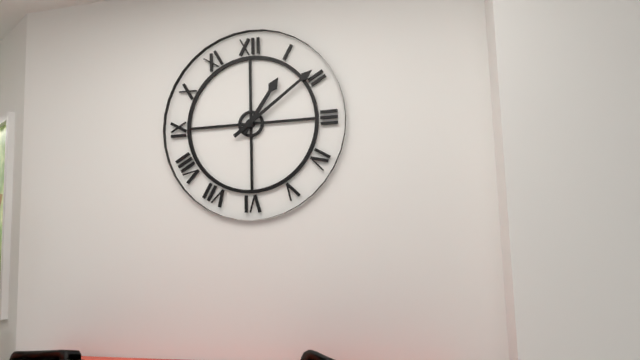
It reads **1:09**
